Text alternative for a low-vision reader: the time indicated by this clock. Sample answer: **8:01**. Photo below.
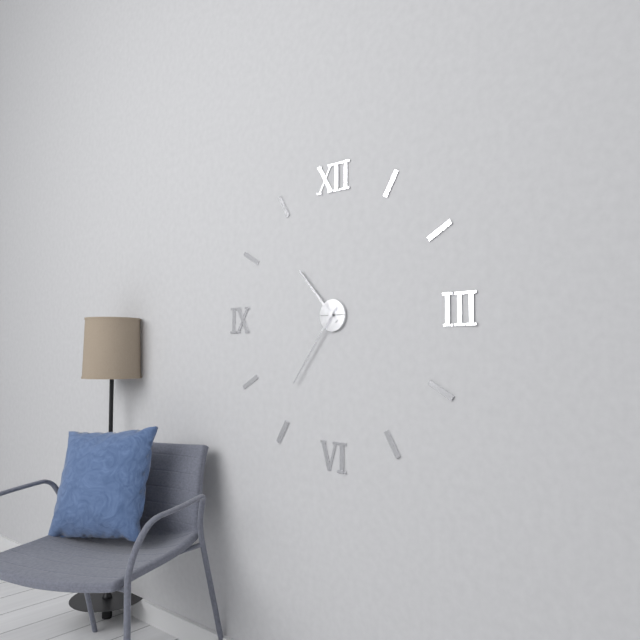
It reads **10:36**
